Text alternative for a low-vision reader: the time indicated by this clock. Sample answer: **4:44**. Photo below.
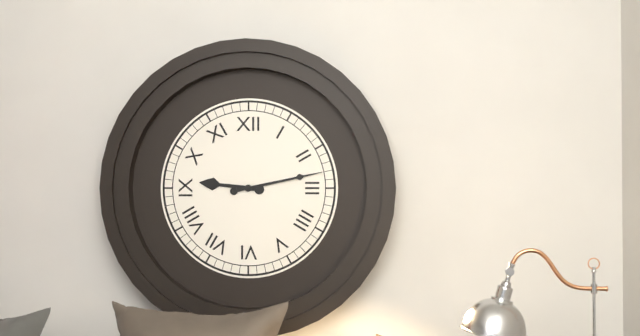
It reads **9:13**
